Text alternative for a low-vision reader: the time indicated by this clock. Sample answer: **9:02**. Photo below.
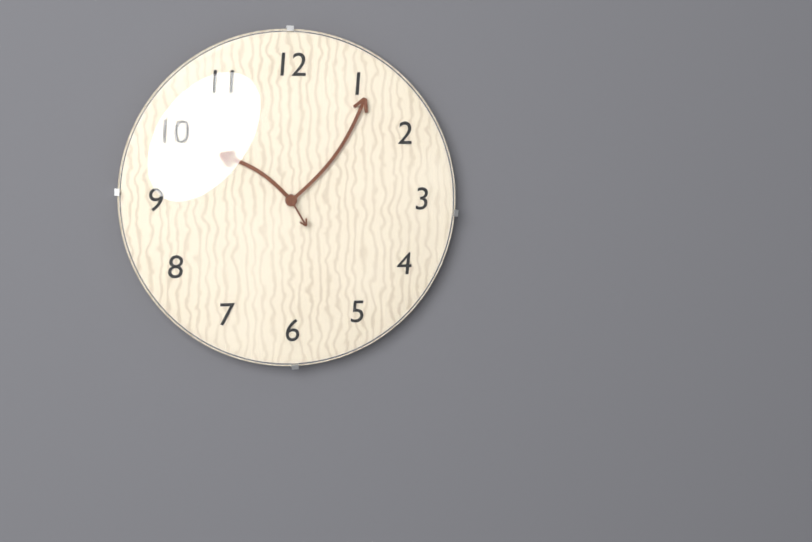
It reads **10:06**
